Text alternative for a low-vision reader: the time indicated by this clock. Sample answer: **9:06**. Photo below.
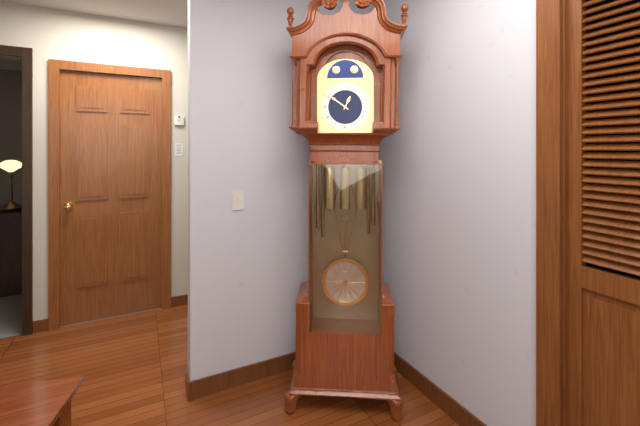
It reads **12:51**
